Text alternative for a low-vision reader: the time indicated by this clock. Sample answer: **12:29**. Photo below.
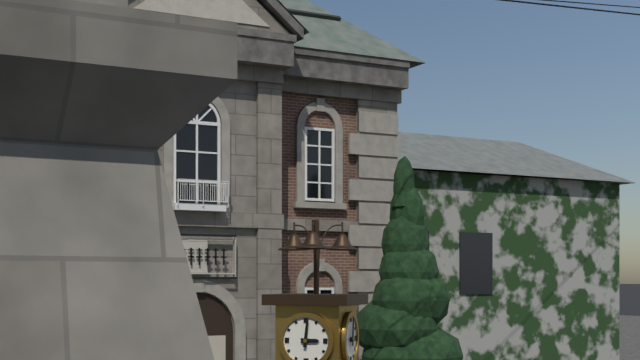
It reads **3:01**
